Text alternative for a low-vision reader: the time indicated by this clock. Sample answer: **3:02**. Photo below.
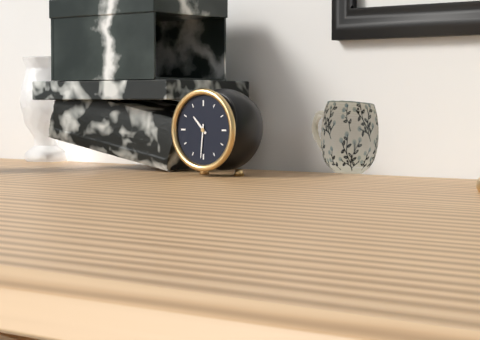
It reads **10:31**
